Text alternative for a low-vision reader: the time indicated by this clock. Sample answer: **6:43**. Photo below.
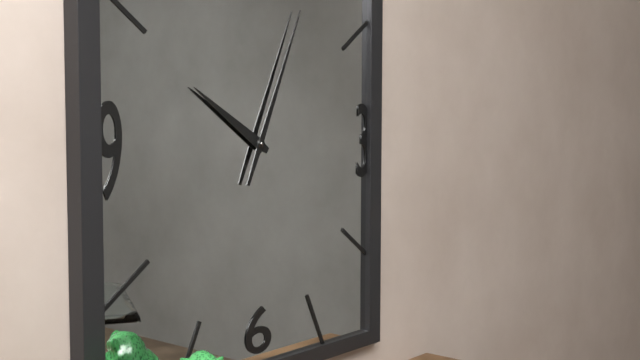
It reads **10:04**
